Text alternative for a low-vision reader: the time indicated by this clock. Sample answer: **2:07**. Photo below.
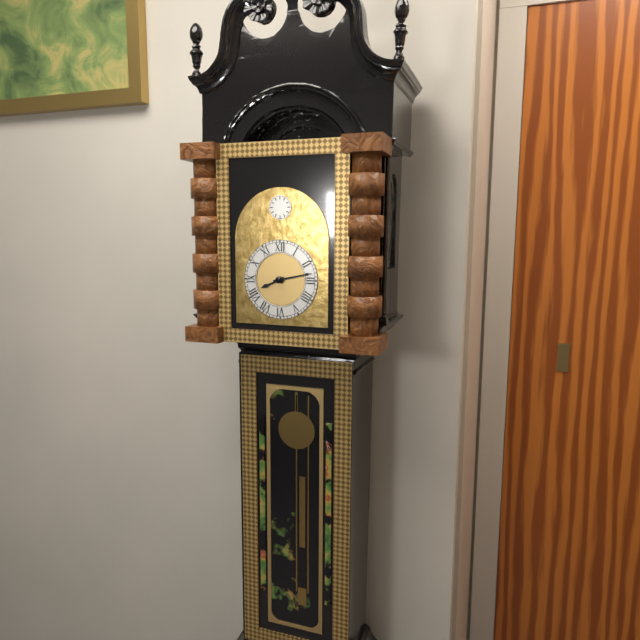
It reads **8:13**
